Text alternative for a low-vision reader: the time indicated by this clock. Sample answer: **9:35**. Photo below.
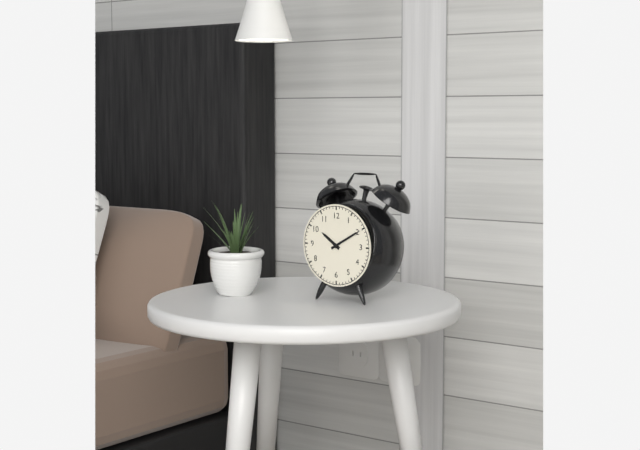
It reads **10:10**
